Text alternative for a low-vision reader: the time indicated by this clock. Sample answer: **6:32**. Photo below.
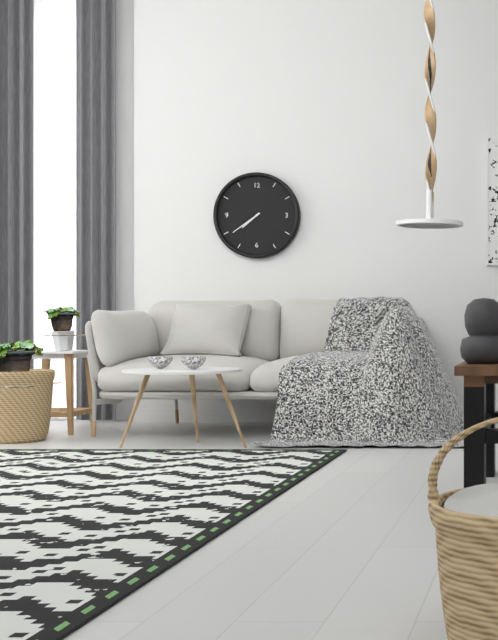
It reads **7:39**
